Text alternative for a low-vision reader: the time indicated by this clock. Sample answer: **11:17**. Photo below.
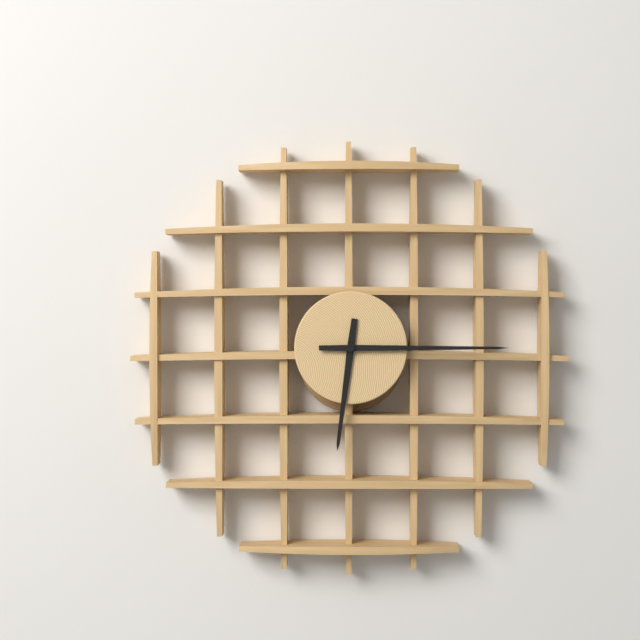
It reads **6:15**
